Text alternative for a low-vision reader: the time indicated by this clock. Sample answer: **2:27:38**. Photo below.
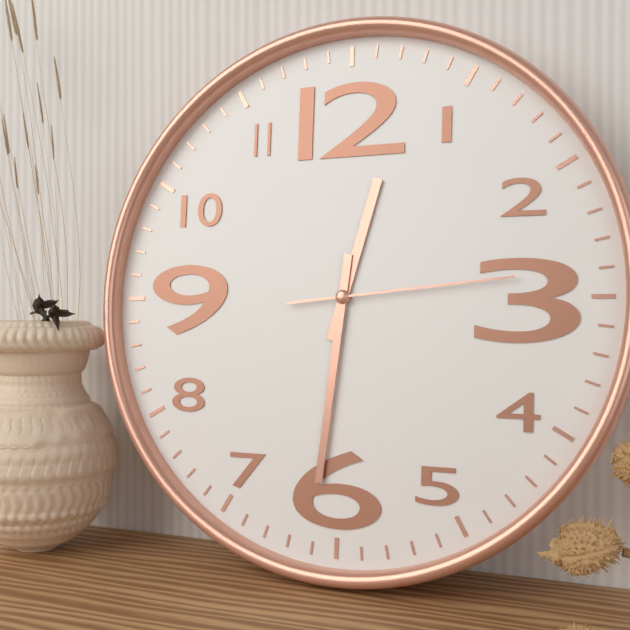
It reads **12:31:14**
